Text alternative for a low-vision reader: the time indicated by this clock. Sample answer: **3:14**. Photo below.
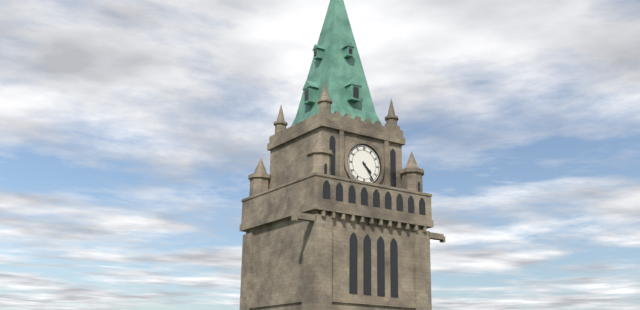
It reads **4:24**
